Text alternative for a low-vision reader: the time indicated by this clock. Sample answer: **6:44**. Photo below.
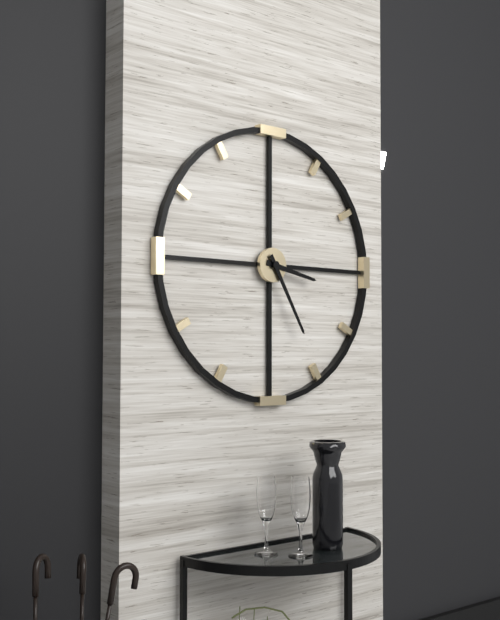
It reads **3:25**
